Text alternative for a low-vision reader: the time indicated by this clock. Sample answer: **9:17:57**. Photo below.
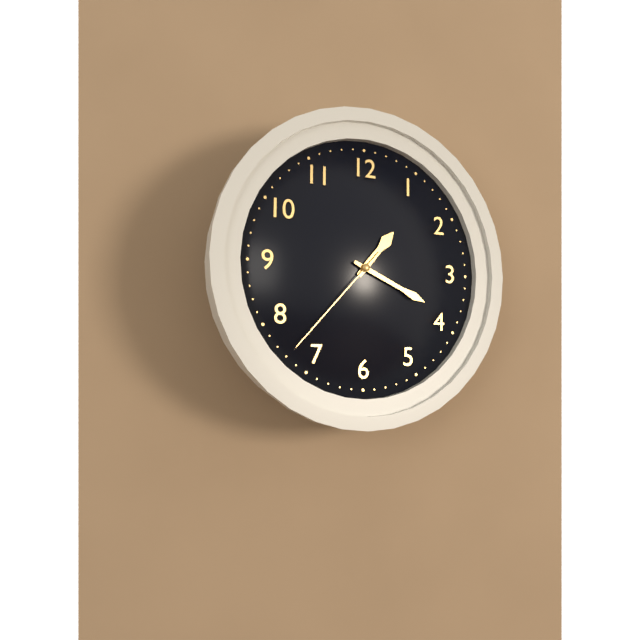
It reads **1:19:37**
